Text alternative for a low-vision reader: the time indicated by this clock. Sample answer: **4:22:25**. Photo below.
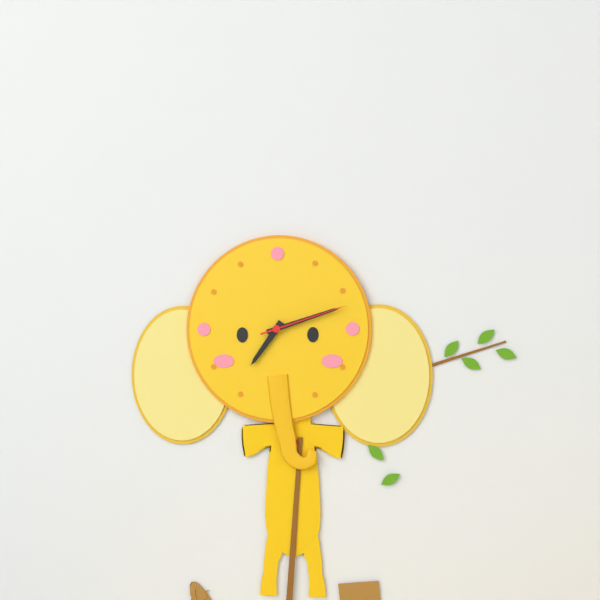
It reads **7:12:12**
